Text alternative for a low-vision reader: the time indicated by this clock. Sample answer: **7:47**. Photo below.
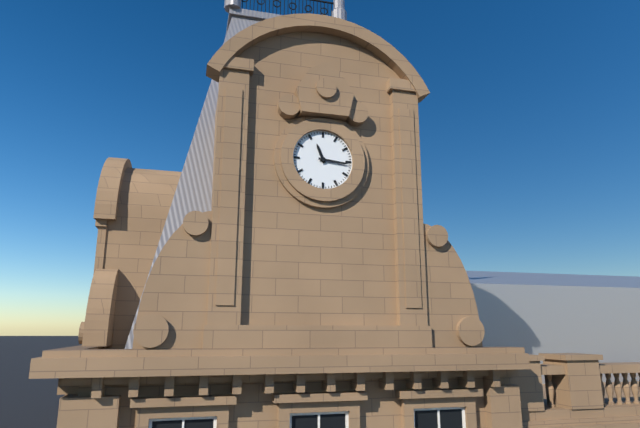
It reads **11:16**
